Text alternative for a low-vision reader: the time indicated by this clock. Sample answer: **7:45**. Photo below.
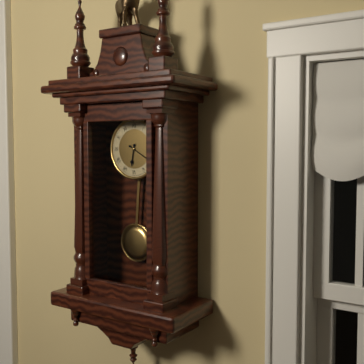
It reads **6:20**
